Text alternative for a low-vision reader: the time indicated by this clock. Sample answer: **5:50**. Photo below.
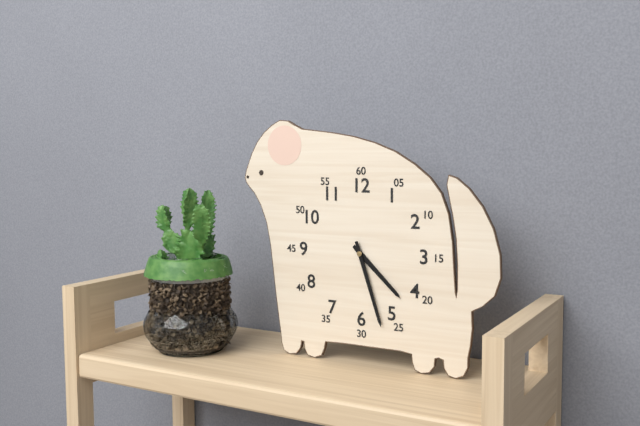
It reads **4:27**
